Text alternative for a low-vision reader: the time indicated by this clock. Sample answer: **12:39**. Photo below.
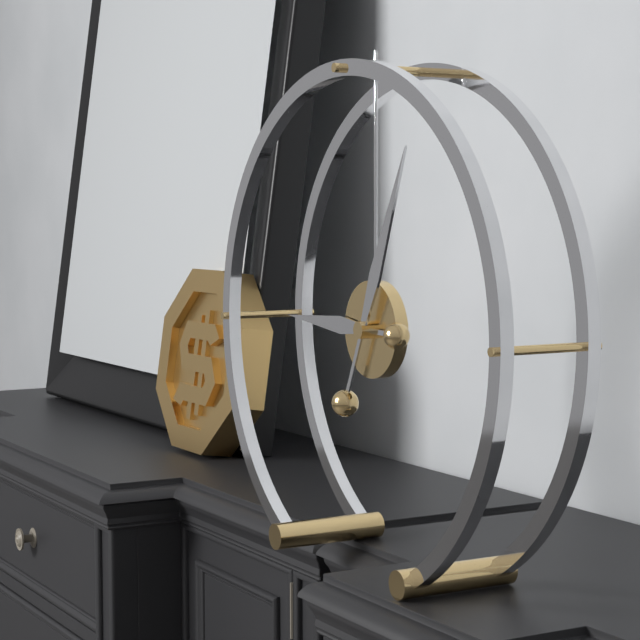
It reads **9:04**
